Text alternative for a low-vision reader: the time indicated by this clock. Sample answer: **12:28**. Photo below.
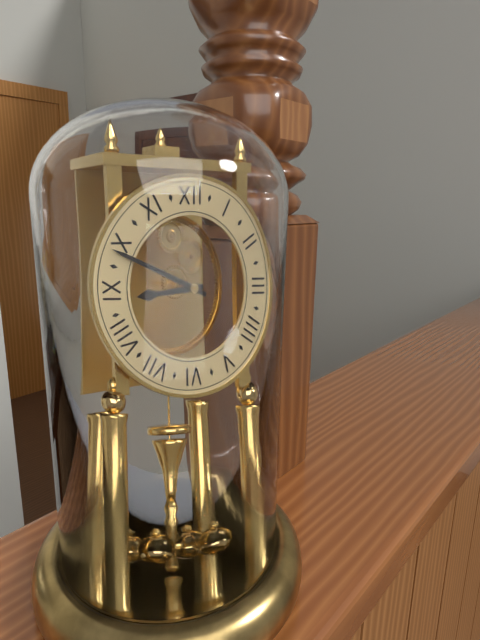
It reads **8:49**
